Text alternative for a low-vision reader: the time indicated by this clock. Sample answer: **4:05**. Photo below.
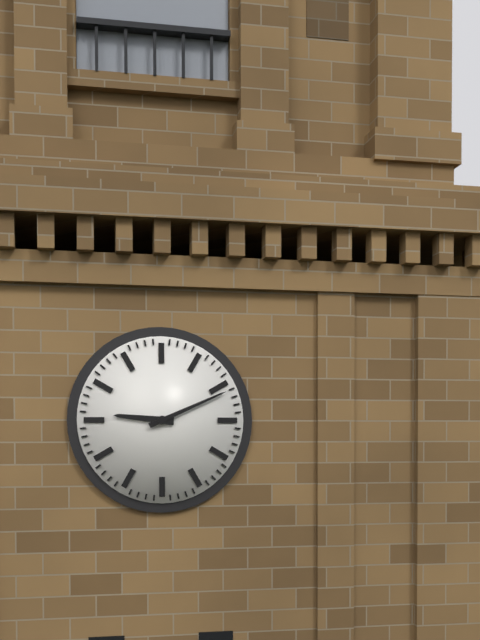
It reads **9:11**
